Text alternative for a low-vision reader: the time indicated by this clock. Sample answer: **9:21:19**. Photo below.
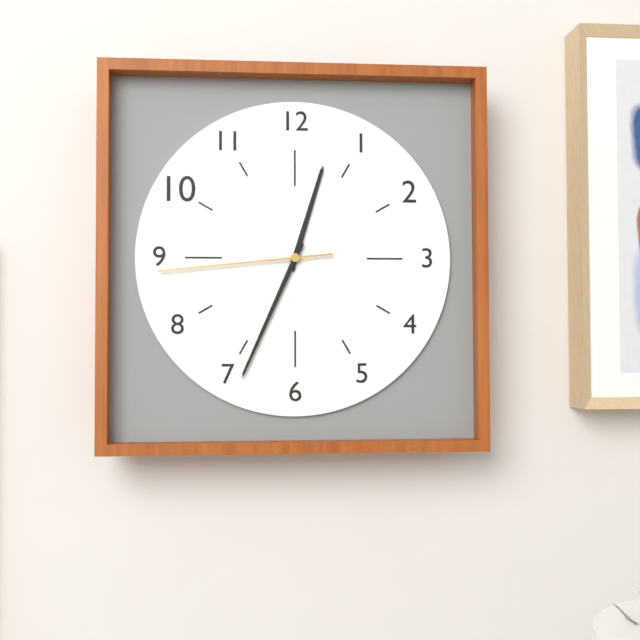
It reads **12:34:44**
